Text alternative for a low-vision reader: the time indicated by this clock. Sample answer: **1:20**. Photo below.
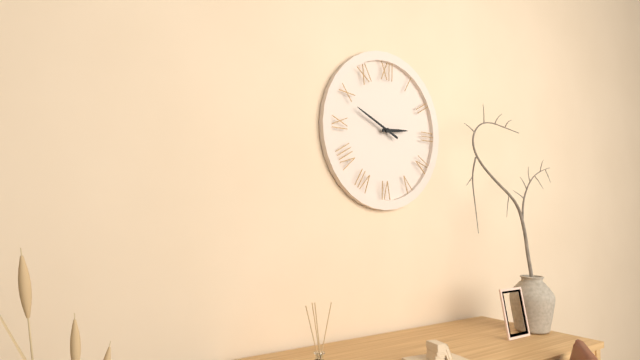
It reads **2:49**
